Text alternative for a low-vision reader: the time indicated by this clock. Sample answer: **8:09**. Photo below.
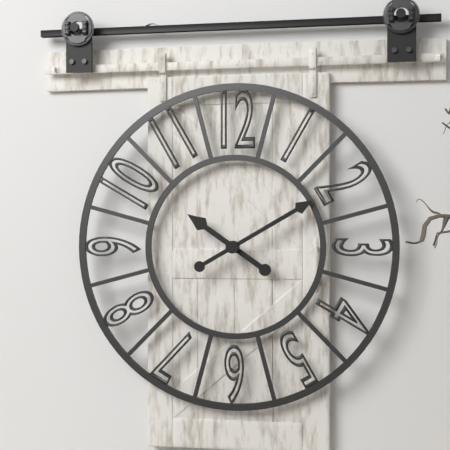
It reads **10:10**
